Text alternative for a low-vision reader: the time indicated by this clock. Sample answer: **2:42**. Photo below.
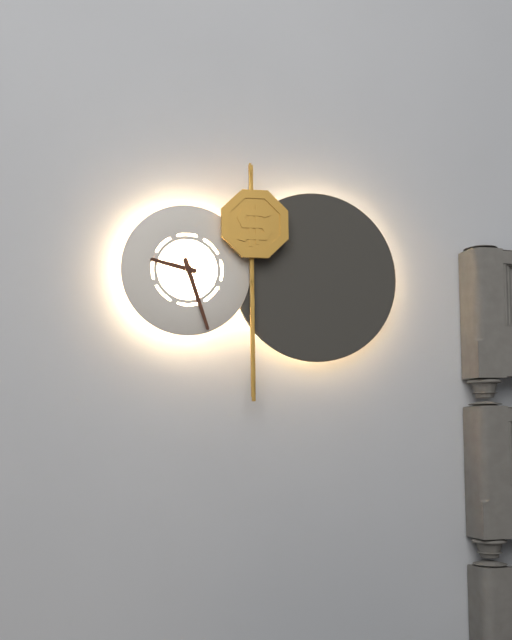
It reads **9:27**
